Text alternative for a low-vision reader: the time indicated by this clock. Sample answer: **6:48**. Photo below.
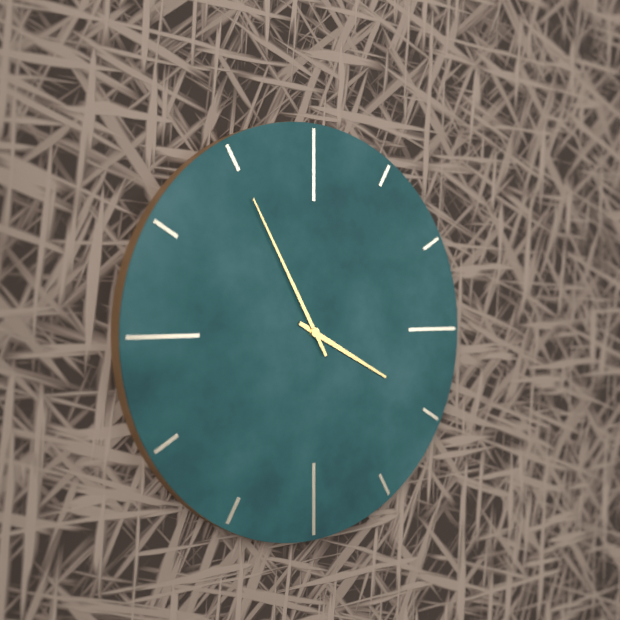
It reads **3:55**
